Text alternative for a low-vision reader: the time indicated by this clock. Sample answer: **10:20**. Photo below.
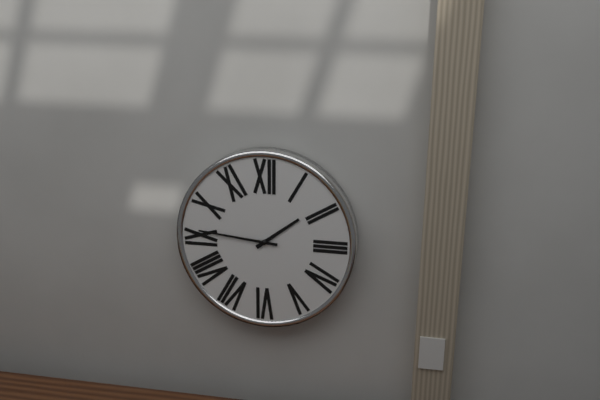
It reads **1:46**
